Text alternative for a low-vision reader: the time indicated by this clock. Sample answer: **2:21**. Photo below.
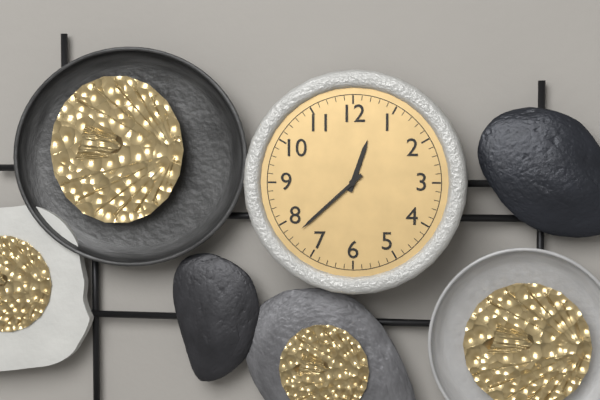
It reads **12:38**
